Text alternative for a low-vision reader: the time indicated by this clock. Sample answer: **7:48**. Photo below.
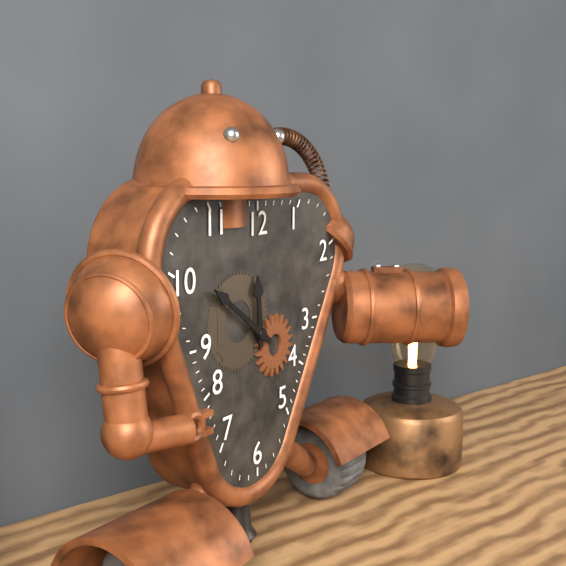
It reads **11:51**
